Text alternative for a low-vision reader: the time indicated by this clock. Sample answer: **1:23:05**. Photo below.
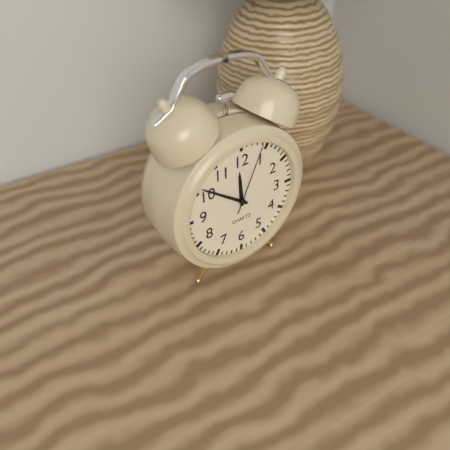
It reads **11:51:04**
